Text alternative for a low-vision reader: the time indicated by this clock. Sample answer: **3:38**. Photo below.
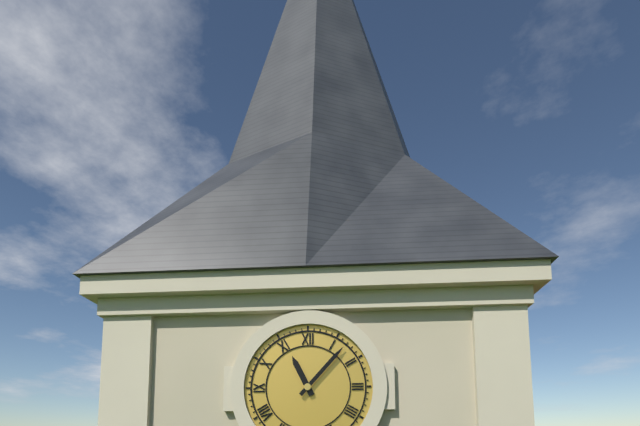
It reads **11:07**
